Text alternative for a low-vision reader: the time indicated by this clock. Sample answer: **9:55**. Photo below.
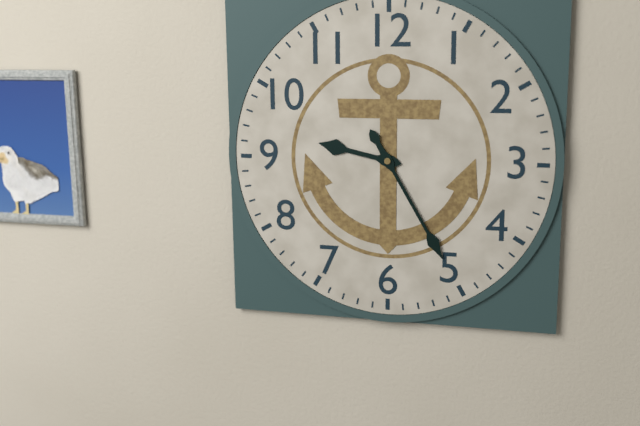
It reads **9:25**
